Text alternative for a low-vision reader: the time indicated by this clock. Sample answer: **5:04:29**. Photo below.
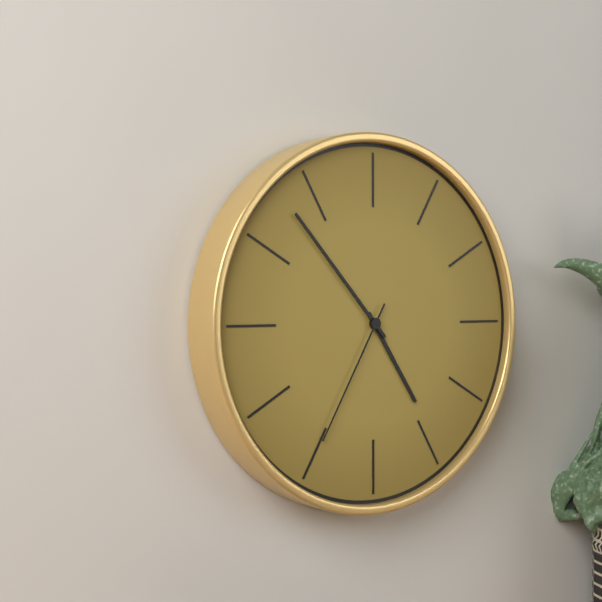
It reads **4:53:35**
